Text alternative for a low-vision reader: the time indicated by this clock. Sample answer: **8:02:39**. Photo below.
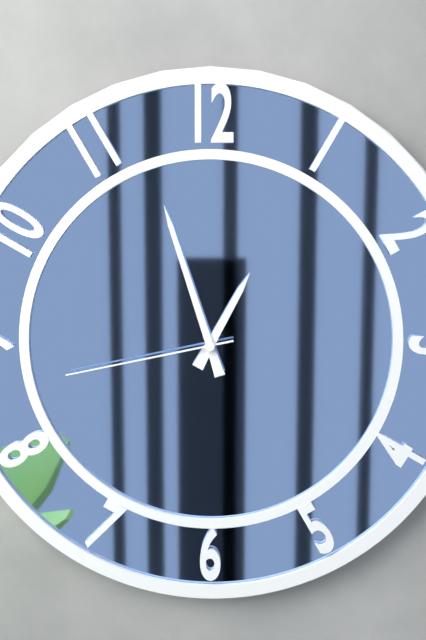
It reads **12:57:43**
